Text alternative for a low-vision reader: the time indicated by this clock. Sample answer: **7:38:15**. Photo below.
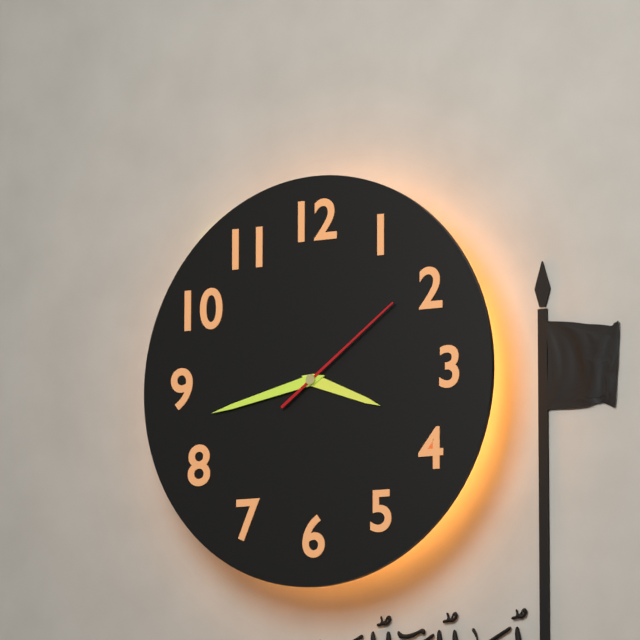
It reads **3:43:09**
